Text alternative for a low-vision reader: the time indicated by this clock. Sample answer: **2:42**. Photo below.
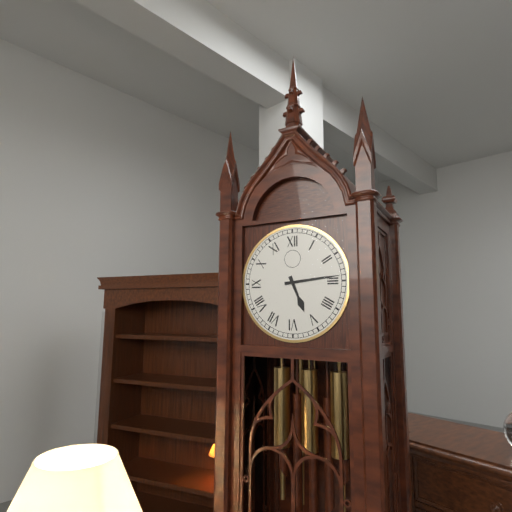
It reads **5:14**
